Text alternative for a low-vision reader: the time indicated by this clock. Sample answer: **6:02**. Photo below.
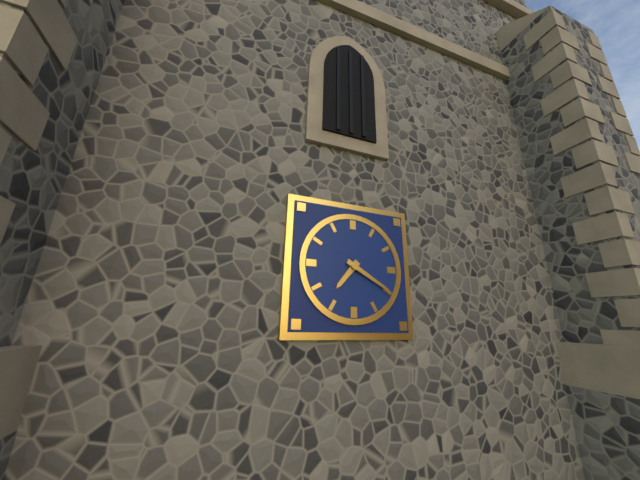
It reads **7:20**
